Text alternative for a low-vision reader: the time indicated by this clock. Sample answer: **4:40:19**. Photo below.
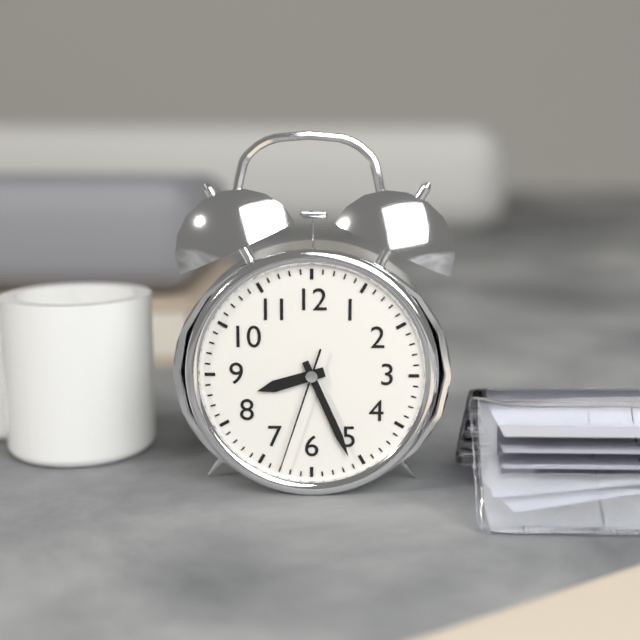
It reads **8:26:33**
